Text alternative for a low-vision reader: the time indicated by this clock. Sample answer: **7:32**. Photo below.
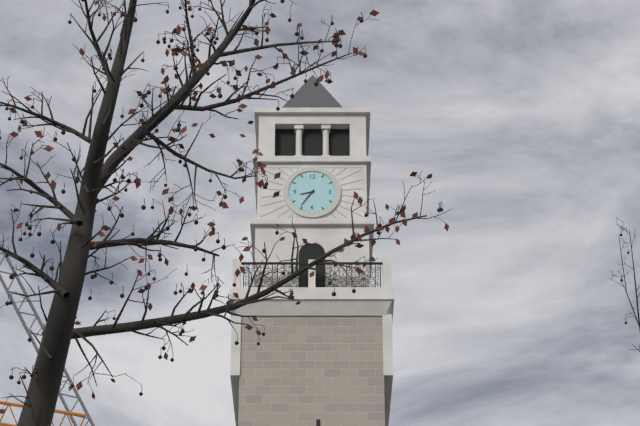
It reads **8:36**
